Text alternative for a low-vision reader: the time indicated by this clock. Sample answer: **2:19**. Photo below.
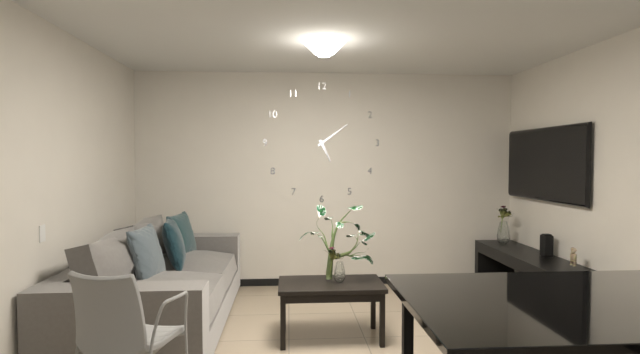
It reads **5:09**
